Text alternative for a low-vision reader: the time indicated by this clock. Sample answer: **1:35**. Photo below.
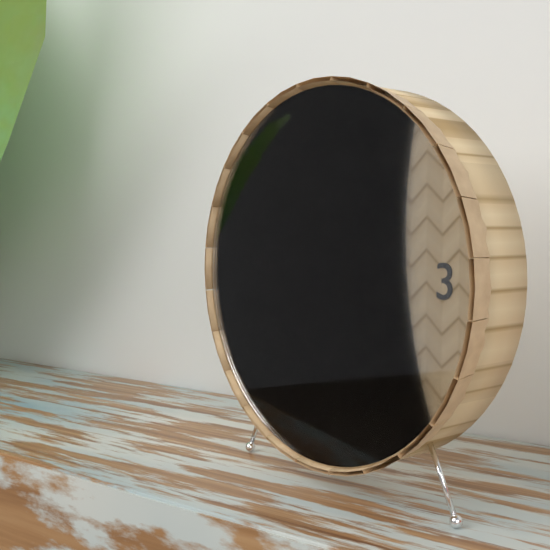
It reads **12:45**
